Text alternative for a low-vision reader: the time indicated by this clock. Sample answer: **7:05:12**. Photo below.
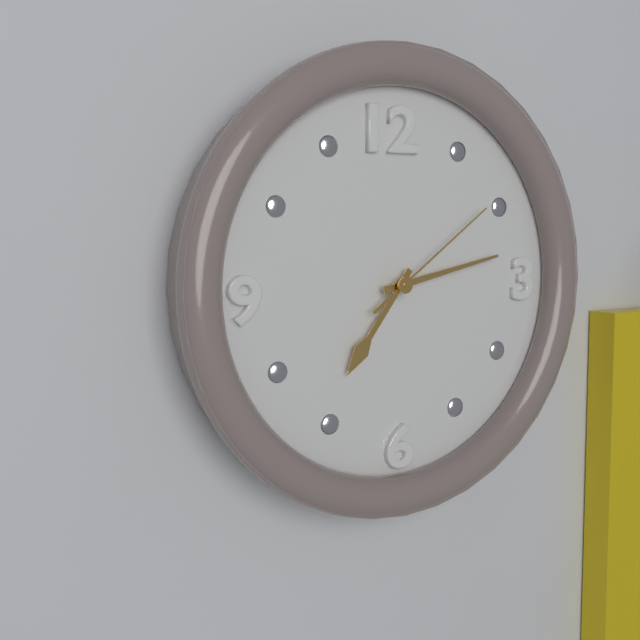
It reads **7:13:09**
